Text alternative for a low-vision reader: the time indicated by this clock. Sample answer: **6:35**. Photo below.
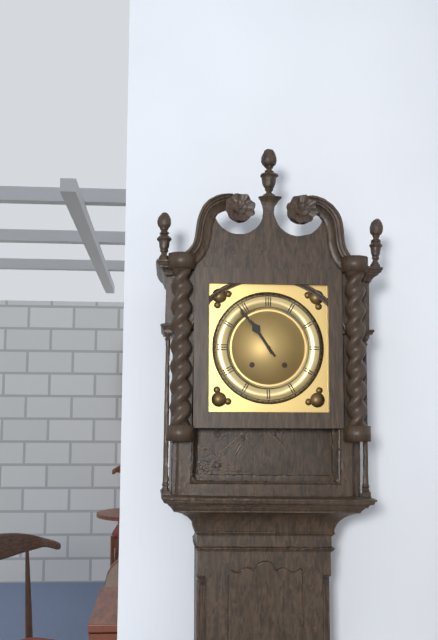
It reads **10:54**
